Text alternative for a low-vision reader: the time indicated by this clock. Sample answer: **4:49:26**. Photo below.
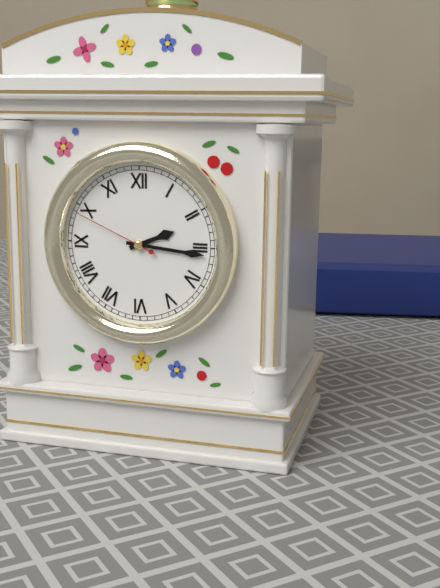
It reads **2:16:49**
